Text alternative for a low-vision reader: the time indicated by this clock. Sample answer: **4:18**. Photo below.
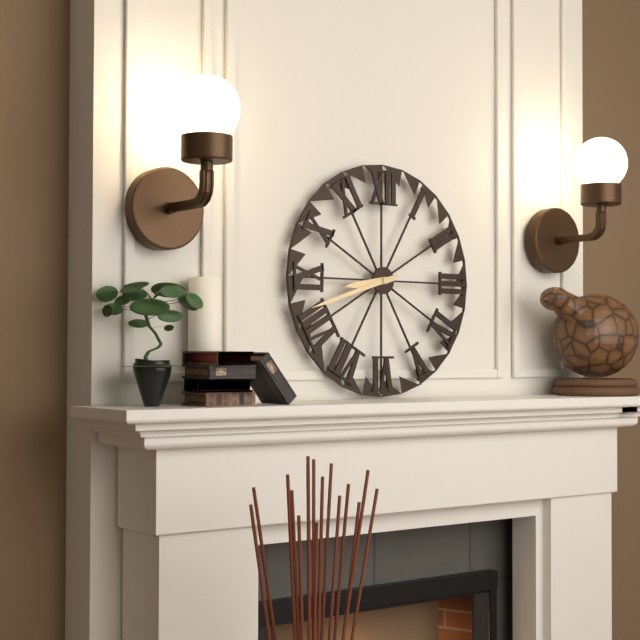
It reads **8:42**
